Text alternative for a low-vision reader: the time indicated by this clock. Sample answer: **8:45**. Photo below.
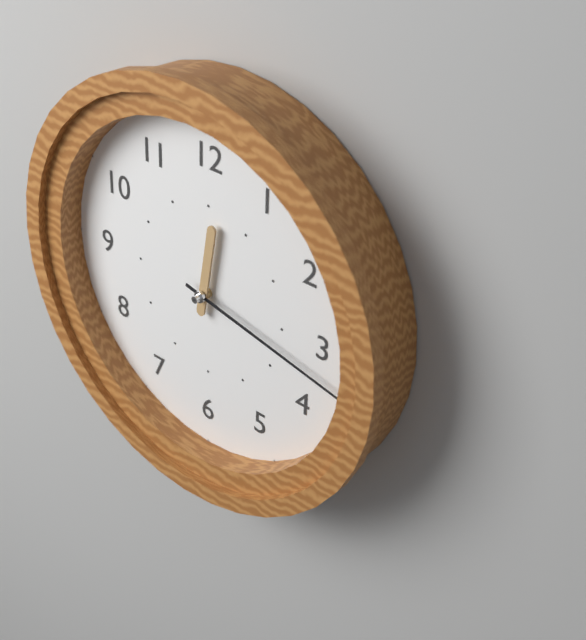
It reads **12:17**
